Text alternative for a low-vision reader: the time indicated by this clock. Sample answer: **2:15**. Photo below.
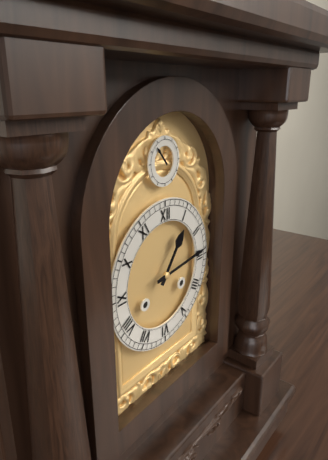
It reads **1:14**
